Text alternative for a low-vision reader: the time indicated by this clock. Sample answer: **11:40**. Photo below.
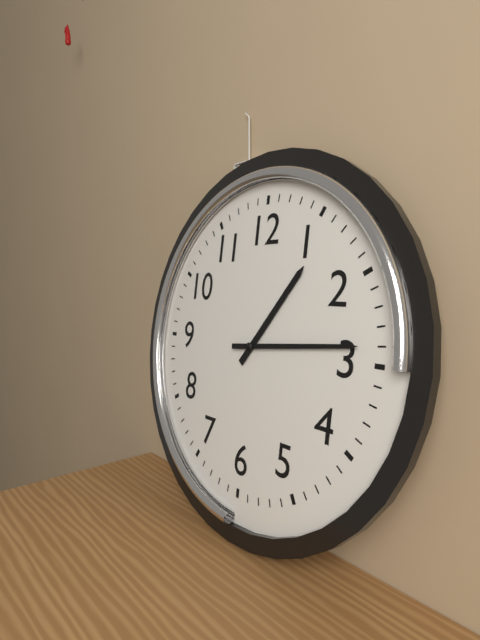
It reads **1:14**
